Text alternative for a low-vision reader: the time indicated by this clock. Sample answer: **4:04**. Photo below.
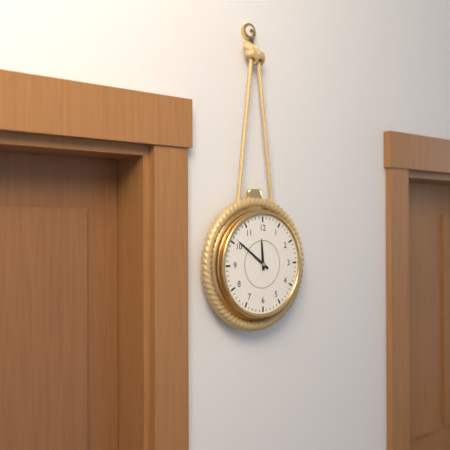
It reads **11:51**
